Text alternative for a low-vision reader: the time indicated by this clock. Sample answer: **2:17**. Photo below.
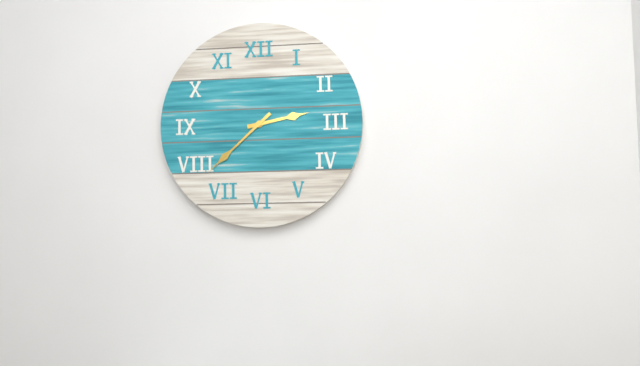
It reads **2:38**
